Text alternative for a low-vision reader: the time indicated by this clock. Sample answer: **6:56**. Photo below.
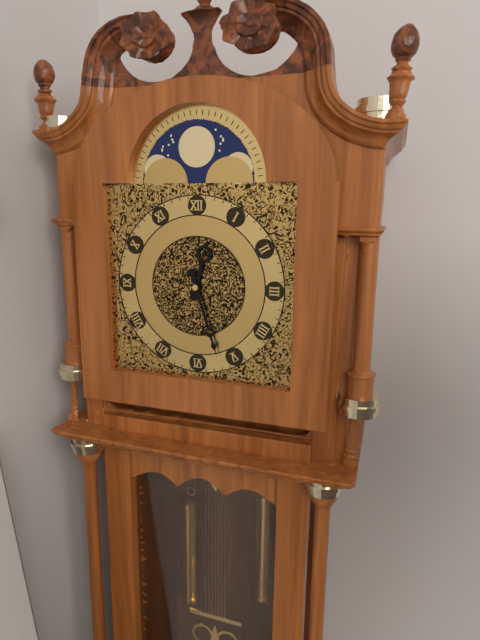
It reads **12:27**
